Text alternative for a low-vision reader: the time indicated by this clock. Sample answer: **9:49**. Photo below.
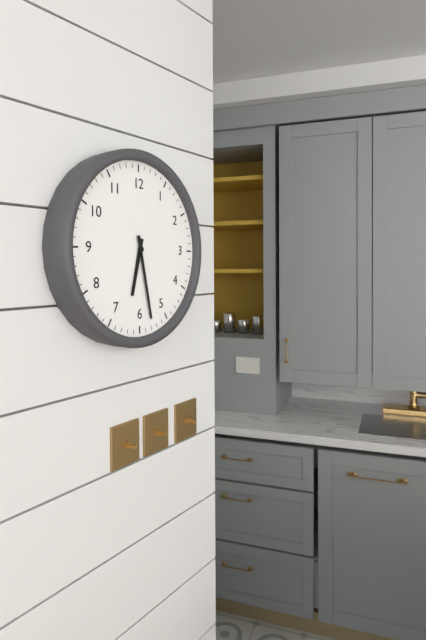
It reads **6:28**
